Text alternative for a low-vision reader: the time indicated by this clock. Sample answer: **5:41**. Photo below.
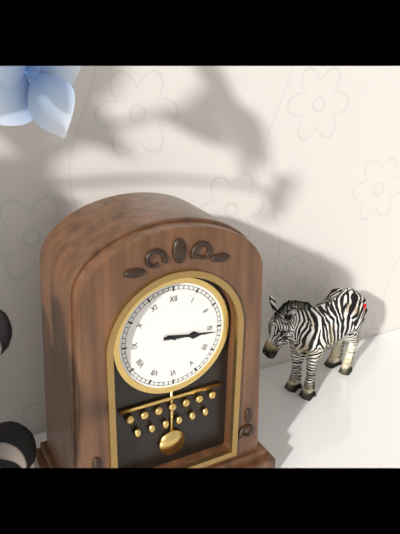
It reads **3:16**
